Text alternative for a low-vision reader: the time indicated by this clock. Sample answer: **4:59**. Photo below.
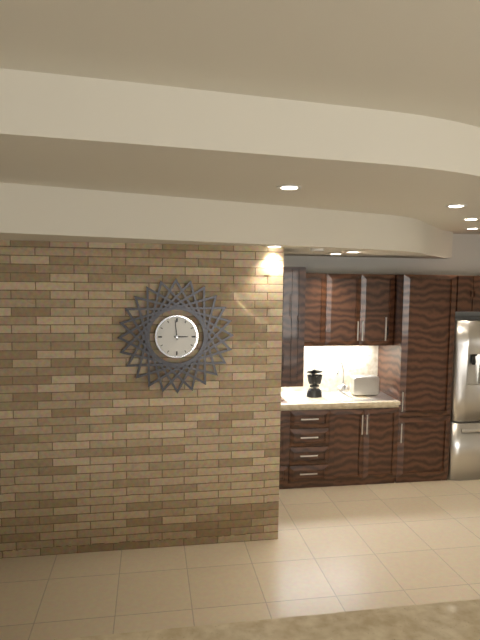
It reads **2:59**
